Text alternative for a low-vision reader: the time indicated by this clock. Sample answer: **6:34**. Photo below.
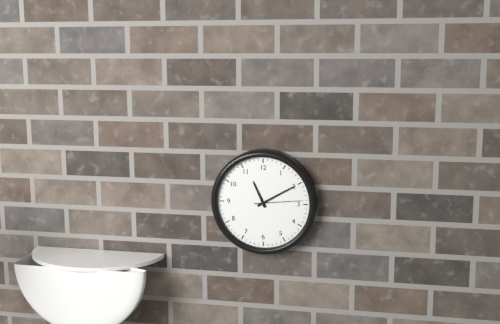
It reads **11:10**
